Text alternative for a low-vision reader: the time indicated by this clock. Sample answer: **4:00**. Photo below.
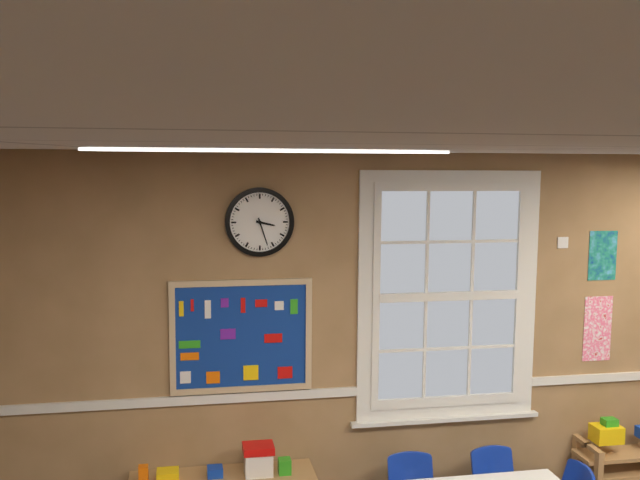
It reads **3:27**
